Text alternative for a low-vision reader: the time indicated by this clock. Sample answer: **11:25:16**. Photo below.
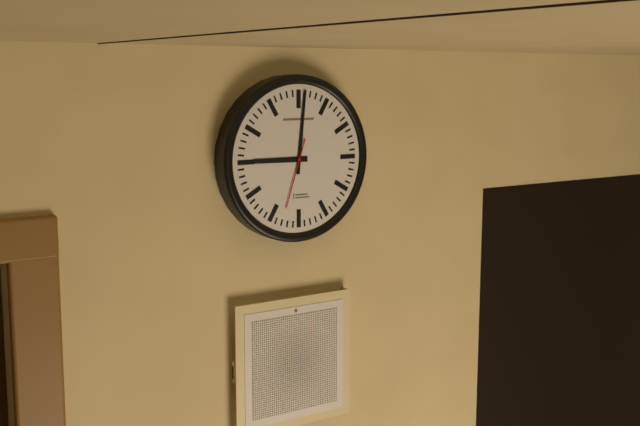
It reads **9:01:33**
